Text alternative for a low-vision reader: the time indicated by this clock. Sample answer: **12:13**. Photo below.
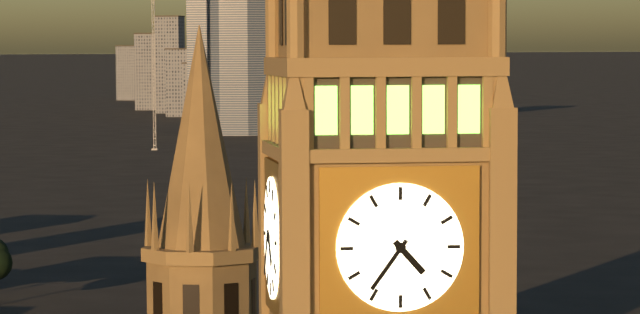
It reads **4:36**
